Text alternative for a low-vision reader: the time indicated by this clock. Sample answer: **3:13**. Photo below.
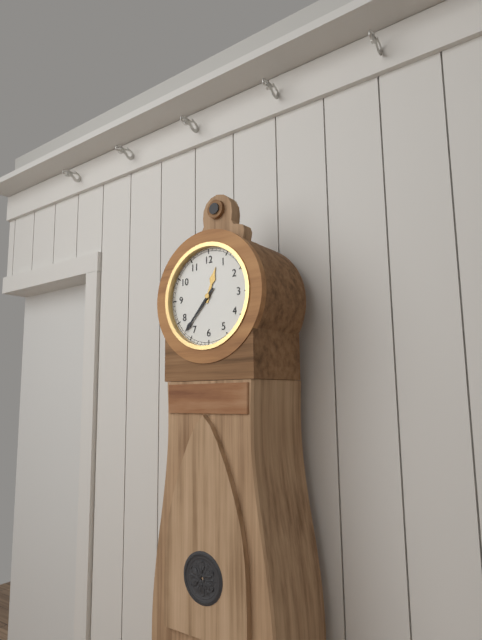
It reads **12:37**
